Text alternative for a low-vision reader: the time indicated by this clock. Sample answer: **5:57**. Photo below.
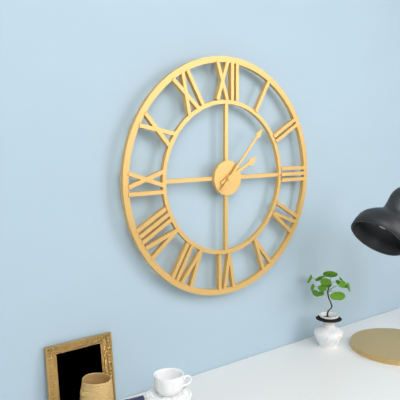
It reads **2:07**
